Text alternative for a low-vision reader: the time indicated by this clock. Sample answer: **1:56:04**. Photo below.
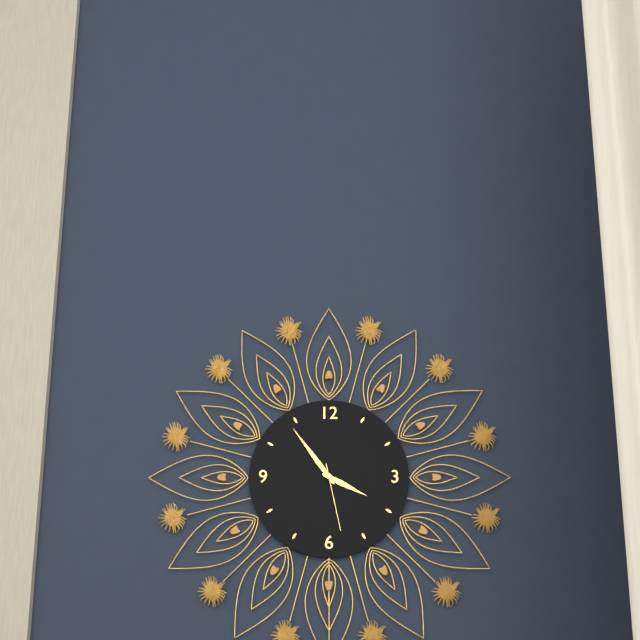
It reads **3:54:28**
